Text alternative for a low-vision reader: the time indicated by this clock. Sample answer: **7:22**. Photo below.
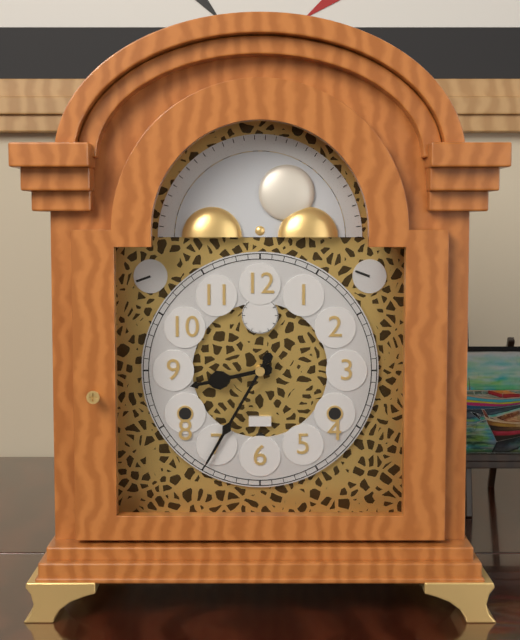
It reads **8:35**
